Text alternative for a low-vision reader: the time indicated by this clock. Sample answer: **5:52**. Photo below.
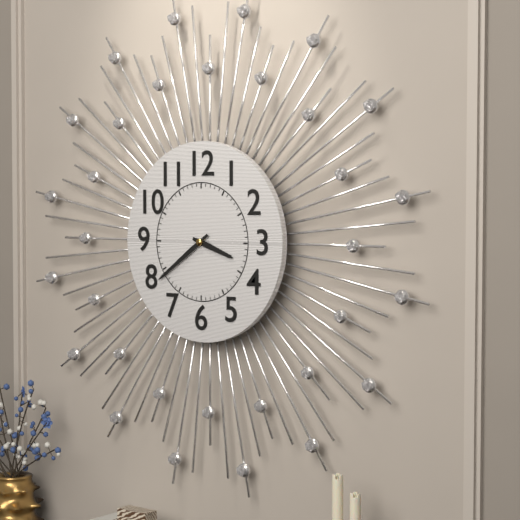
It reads **3:39**
